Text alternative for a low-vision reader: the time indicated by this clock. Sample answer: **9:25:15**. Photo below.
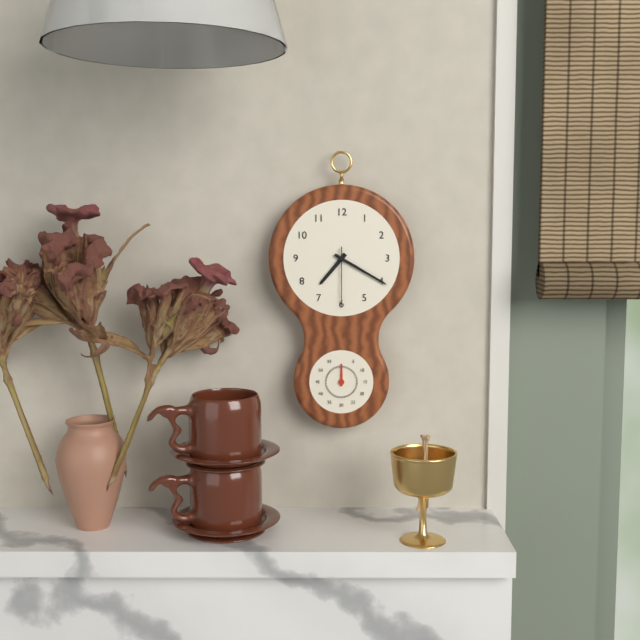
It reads **7:20:30**
